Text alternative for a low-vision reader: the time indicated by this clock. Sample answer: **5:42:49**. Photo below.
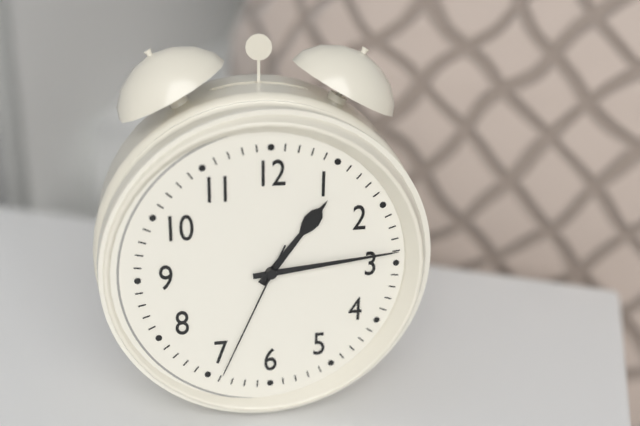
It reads **1:14:34**
